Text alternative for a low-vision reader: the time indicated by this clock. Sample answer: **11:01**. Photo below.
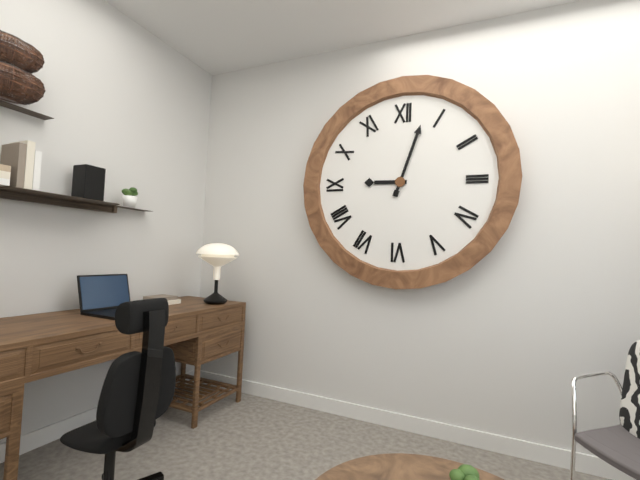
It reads **9:03**
